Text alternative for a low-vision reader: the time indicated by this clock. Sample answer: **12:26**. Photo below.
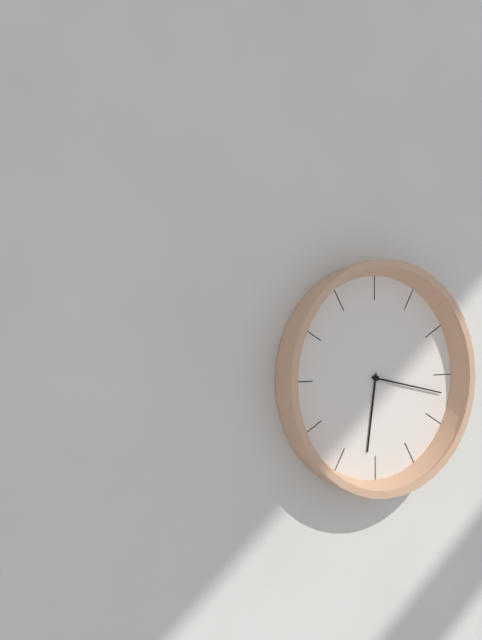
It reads **6:17**
